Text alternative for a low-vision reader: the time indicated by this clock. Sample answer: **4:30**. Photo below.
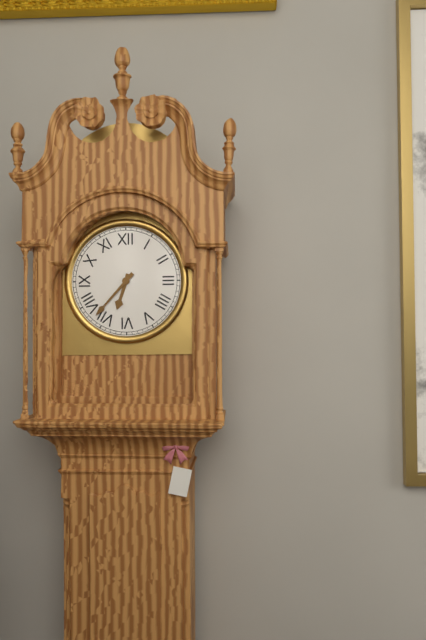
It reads **6:37**
